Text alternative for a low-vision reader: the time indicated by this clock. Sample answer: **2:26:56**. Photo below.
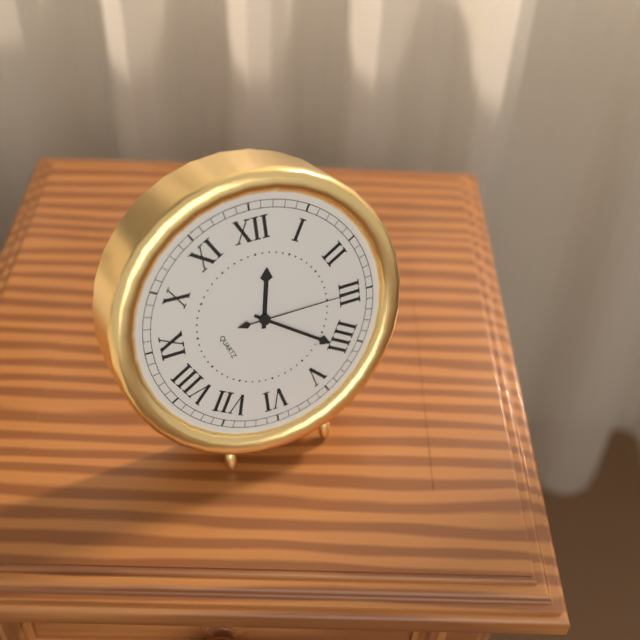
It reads **12:21:15**
